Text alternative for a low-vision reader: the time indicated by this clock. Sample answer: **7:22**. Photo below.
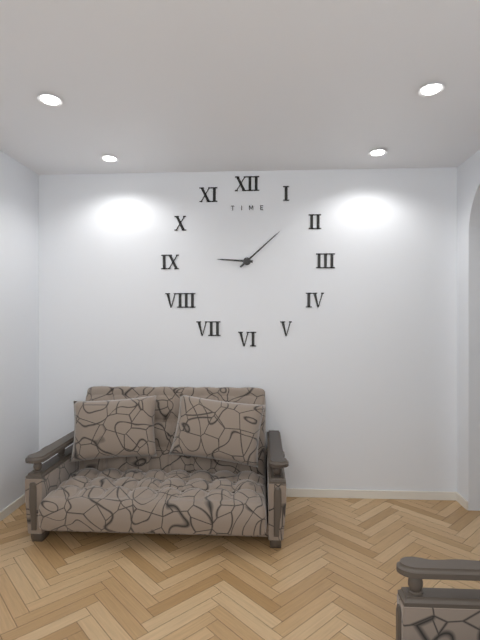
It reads **9:08**
